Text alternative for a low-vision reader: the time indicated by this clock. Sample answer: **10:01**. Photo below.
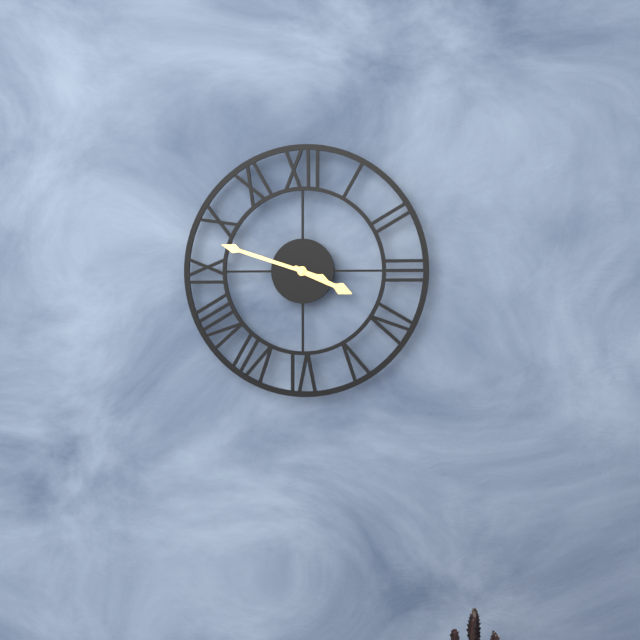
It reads **3:48**
